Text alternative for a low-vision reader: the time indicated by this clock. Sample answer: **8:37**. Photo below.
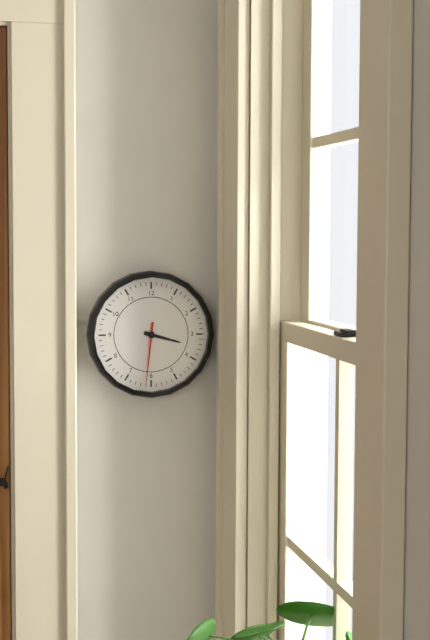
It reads **3:31**
